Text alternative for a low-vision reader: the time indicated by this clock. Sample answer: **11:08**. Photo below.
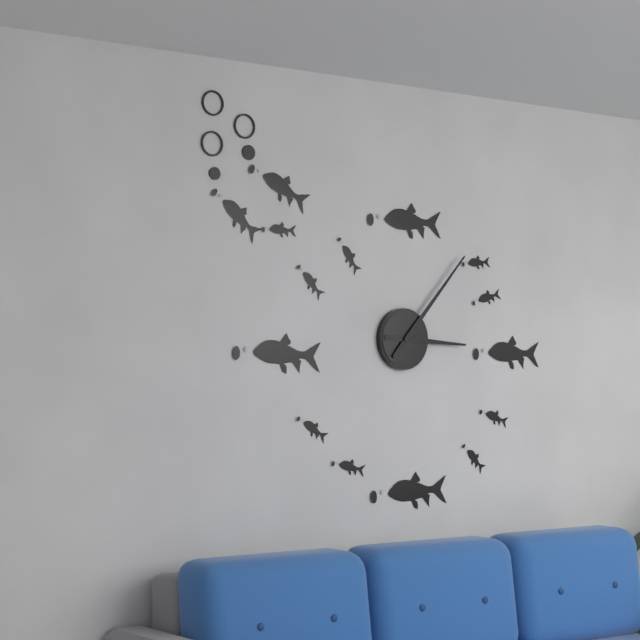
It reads **3:07**
